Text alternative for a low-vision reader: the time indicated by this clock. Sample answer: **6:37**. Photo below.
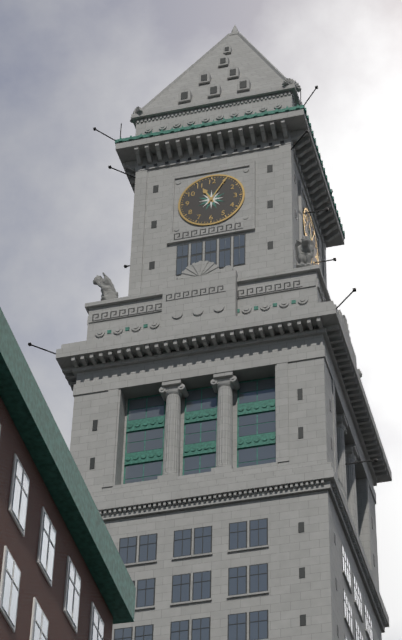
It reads **11:05**
